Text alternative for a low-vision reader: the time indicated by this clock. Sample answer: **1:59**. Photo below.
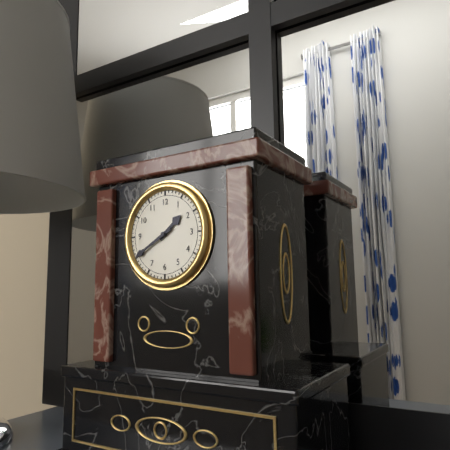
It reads **1:40**
